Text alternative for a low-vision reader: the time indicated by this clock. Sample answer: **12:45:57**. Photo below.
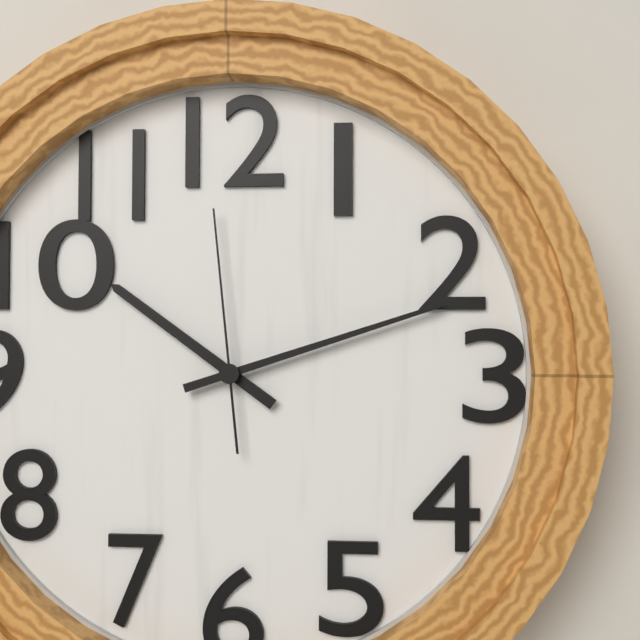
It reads **10:12:59**
